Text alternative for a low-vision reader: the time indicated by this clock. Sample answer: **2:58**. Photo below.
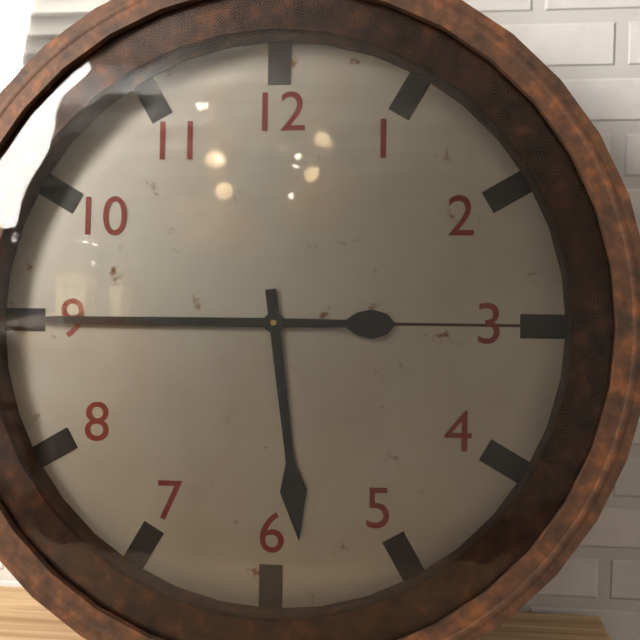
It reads **5:45**
